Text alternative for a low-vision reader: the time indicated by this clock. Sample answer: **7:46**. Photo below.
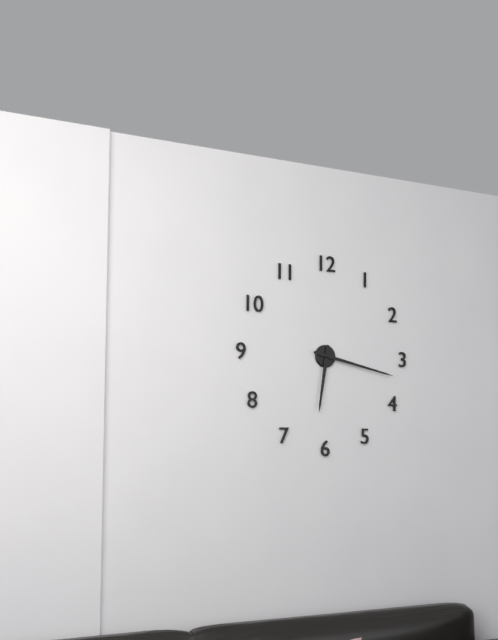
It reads **6:17**
